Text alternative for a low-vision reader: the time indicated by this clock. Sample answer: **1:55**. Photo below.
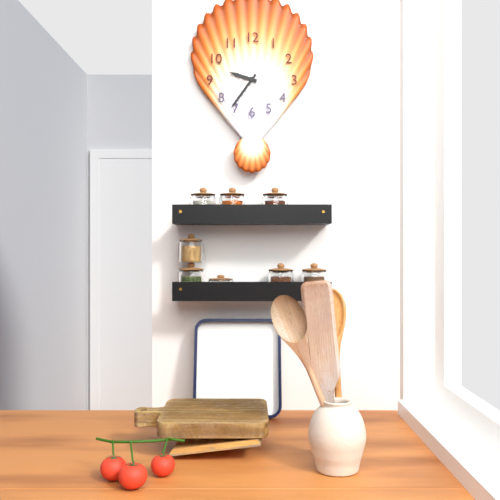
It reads **9:36**
